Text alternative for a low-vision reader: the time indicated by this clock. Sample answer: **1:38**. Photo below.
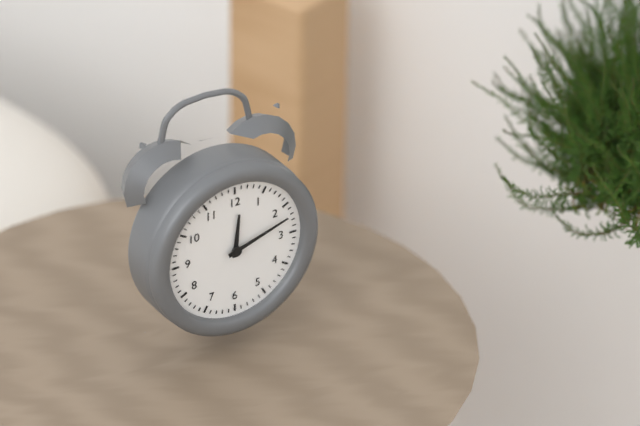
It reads **12:12**
